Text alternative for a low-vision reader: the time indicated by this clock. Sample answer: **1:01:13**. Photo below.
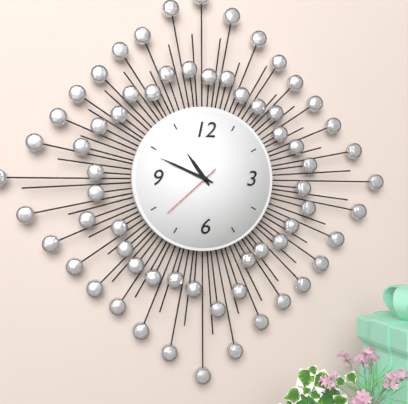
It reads **10:49:38**
